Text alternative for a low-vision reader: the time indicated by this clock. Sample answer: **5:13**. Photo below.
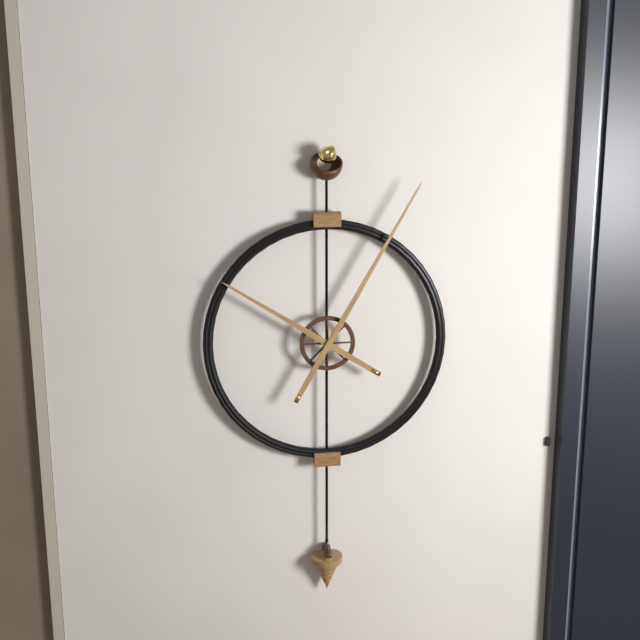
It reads **10:05**
